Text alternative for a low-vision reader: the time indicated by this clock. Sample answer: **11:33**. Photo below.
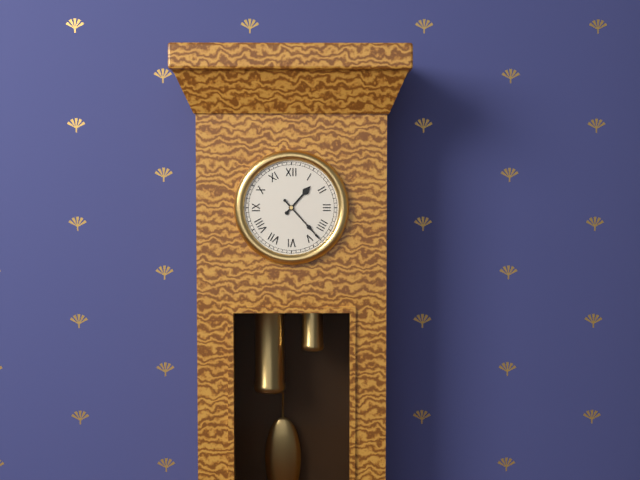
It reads **1:23**
